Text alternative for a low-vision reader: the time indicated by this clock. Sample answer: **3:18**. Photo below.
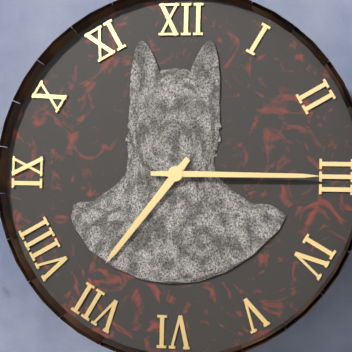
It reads **7:15**
